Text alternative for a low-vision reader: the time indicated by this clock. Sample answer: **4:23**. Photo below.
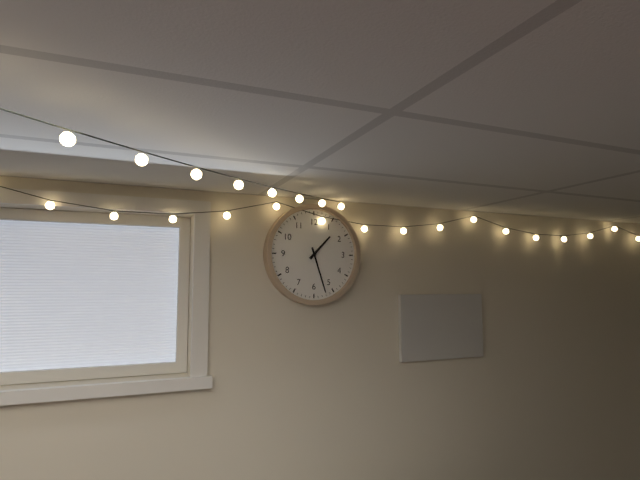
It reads **1:27**
